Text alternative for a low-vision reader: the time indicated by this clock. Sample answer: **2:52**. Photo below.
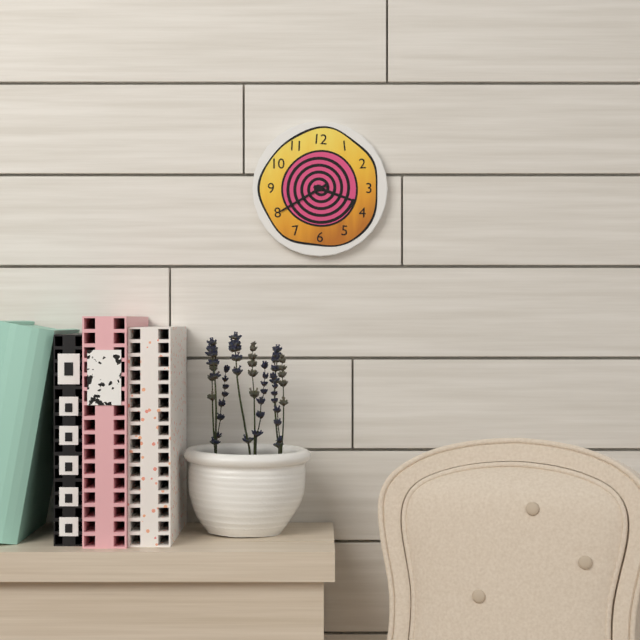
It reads **3:40**
